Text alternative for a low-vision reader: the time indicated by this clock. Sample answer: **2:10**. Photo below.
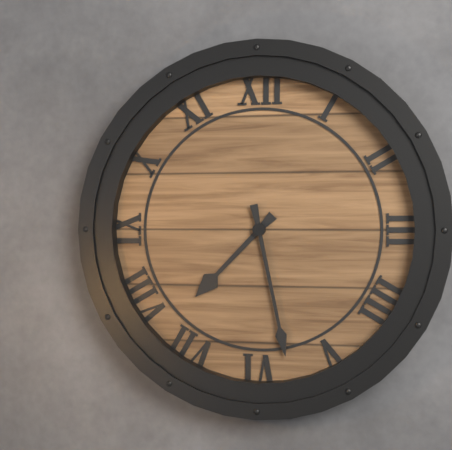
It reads **7:28**
